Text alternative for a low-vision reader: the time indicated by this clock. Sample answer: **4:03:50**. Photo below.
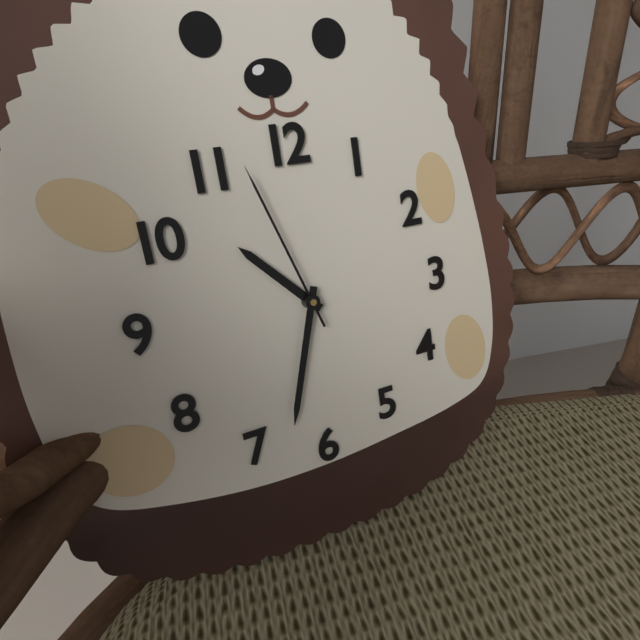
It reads **10:33:57**
